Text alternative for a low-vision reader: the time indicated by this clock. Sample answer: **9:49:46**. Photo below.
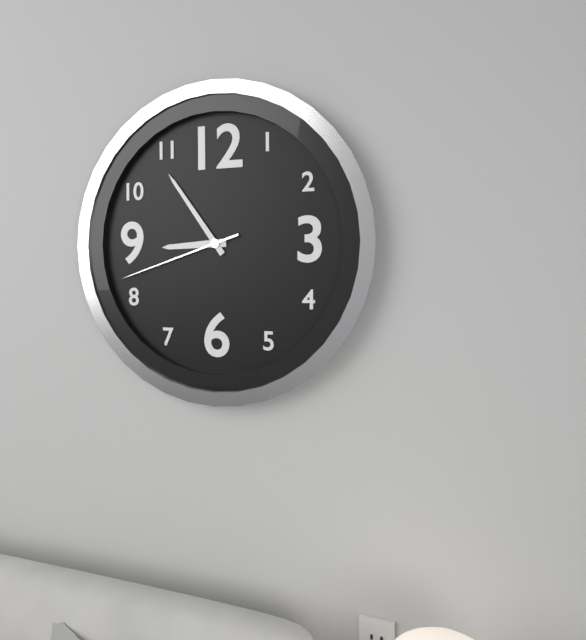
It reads **8:54:42**
